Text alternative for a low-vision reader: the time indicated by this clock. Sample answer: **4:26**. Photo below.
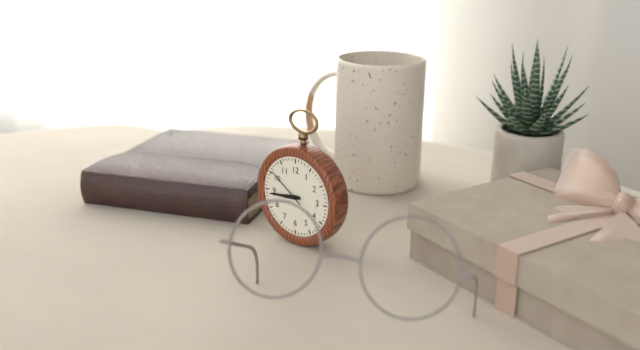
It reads **8:44**
